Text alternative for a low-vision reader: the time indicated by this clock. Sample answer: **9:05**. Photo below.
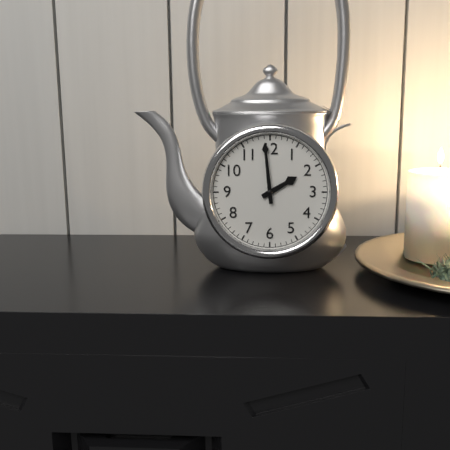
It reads **1:59**
